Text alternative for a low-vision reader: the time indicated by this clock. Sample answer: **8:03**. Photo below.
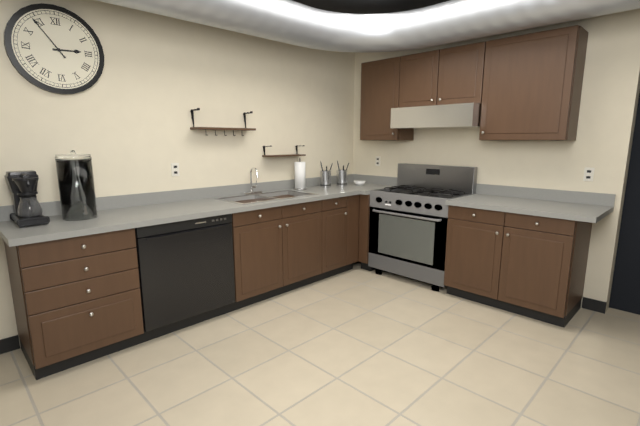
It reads **2:54**
